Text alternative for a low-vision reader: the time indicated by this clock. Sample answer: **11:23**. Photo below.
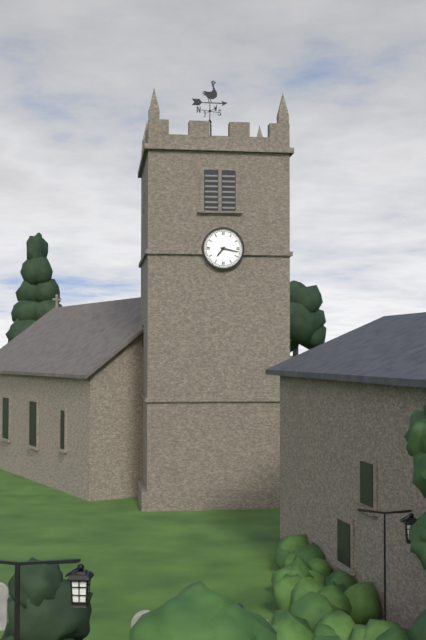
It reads **7:17**
